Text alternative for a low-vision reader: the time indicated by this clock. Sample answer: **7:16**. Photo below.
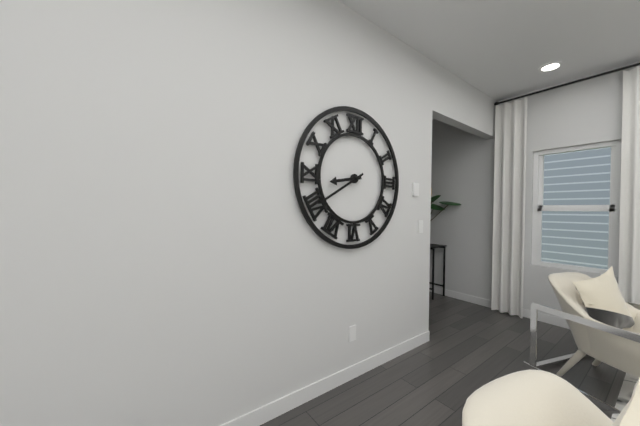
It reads **8:40**
